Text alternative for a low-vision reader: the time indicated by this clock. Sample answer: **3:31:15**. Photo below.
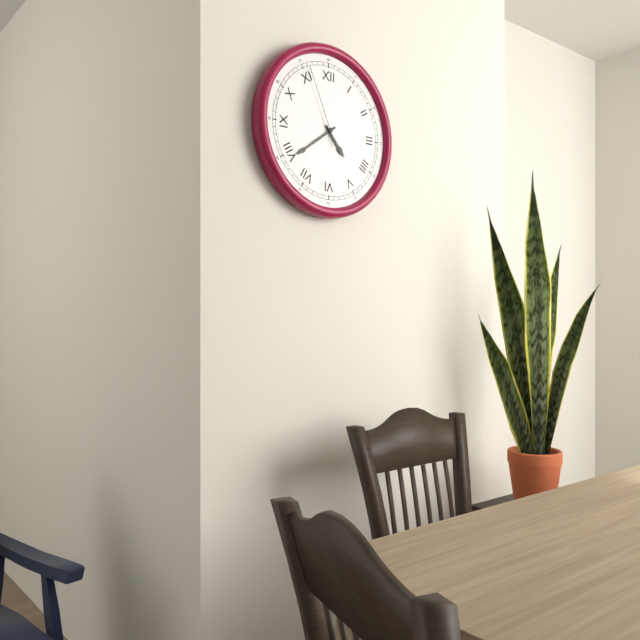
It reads **4:39:56**
